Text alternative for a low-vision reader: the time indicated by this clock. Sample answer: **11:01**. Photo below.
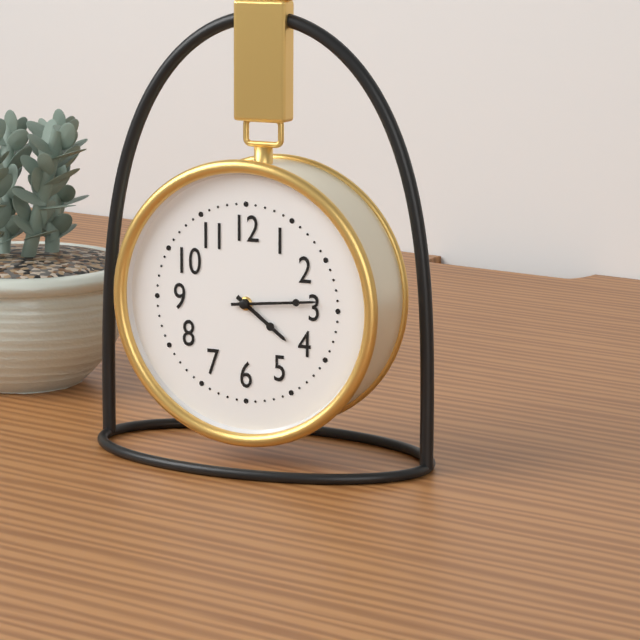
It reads **4:14**
